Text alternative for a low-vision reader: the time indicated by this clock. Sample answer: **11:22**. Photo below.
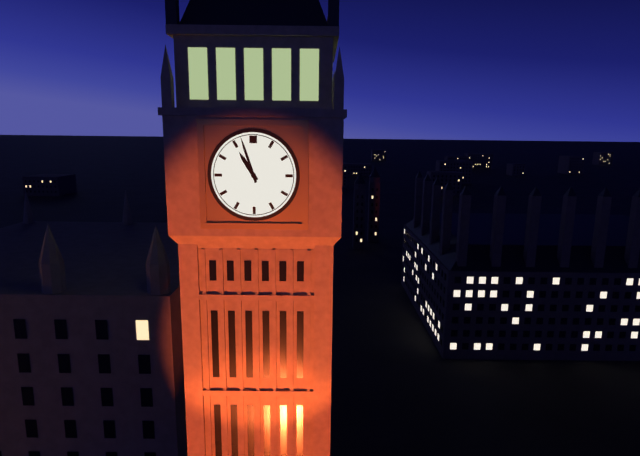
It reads **10:57**
